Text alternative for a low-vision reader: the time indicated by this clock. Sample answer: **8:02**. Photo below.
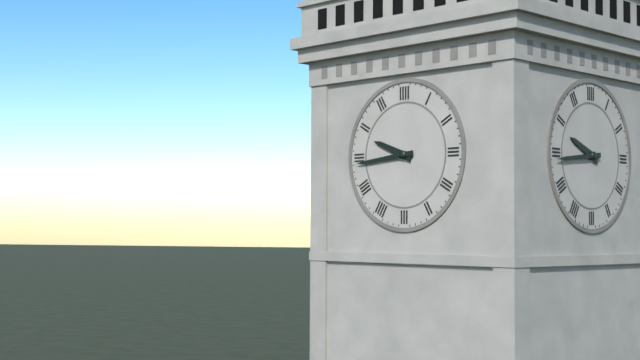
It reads **9:44**
